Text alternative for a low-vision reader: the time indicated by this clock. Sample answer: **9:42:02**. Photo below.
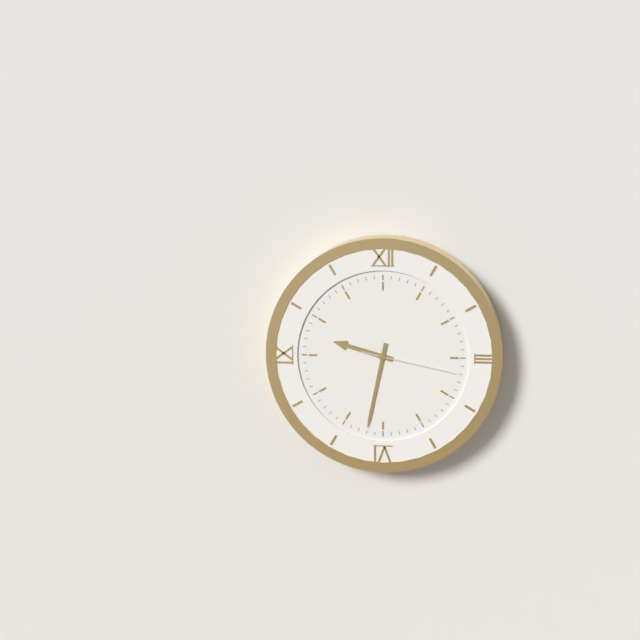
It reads **9:32:17**
